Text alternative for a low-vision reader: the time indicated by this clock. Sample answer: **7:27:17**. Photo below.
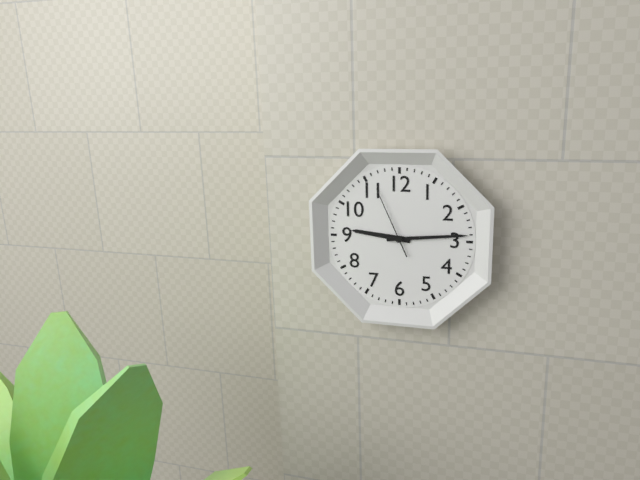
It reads **9:14:56**
